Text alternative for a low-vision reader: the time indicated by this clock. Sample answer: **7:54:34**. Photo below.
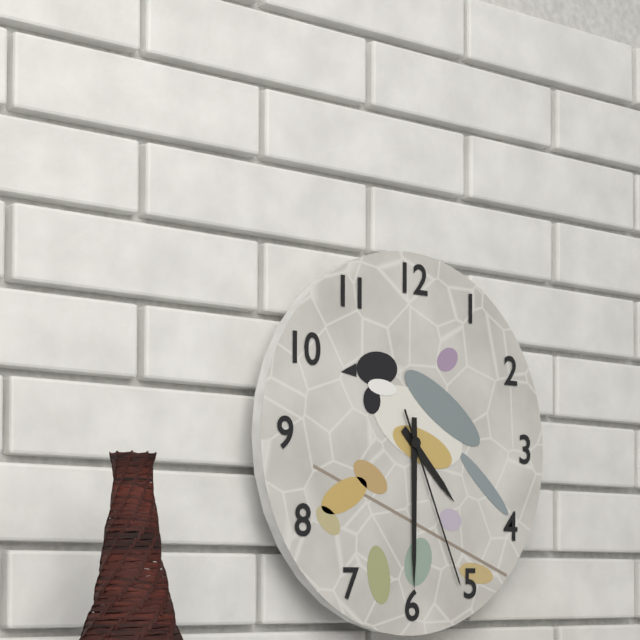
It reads **4:30:26**
